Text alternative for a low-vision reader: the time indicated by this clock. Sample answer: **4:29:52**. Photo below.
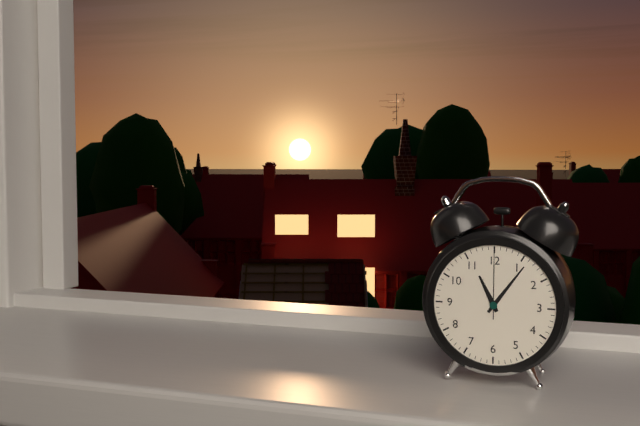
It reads **11:06:00**
